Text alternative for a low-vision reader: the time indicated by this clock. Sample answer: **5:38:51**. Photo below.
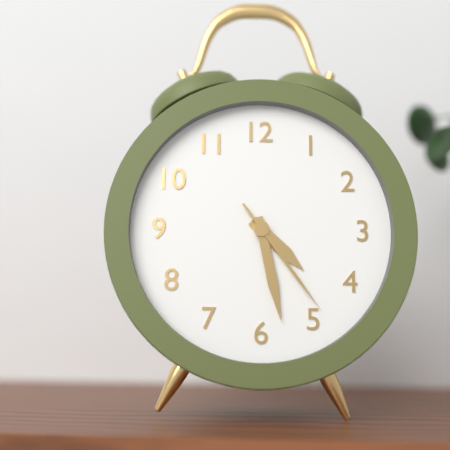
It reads **4:28:24**
